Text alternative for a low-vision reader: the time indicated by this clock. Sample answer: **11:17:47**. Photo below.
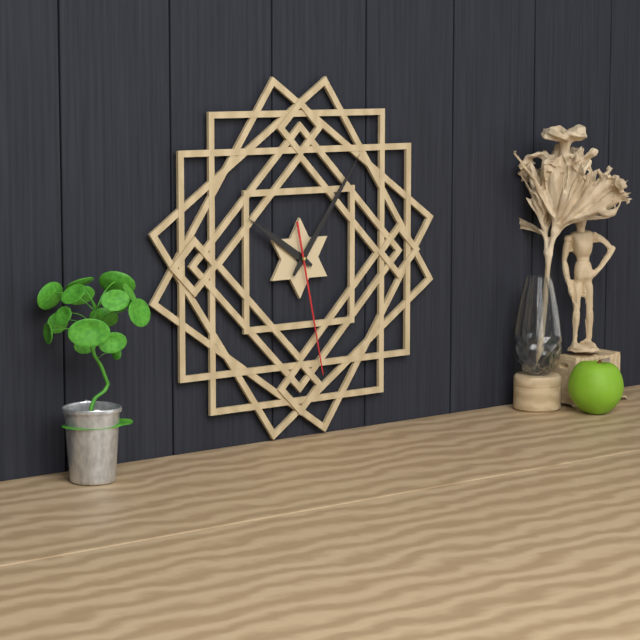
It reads **10:06:28**
